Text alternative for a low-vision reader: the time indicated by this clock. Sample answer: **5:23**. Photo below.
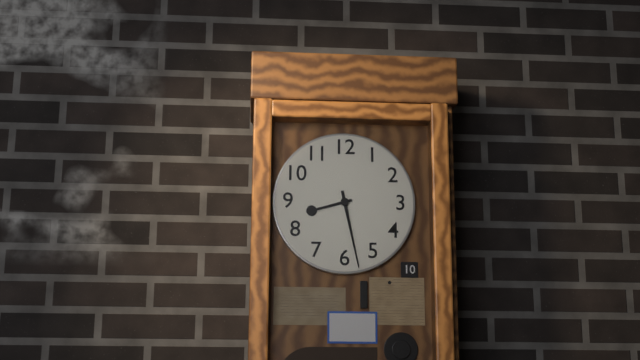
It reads **8:28**
